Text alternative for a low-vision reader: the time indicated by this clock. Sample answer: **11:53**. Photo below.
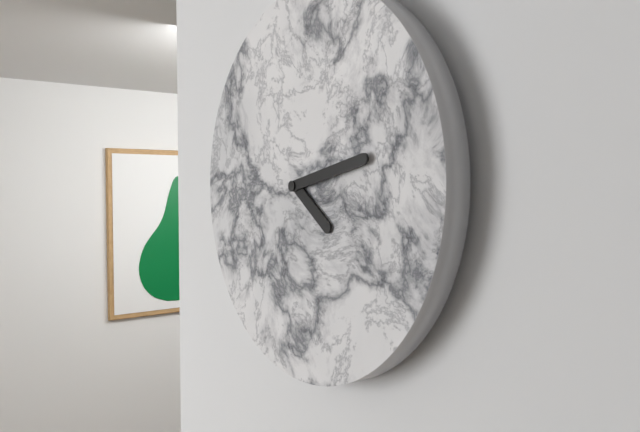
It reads **4:13**
